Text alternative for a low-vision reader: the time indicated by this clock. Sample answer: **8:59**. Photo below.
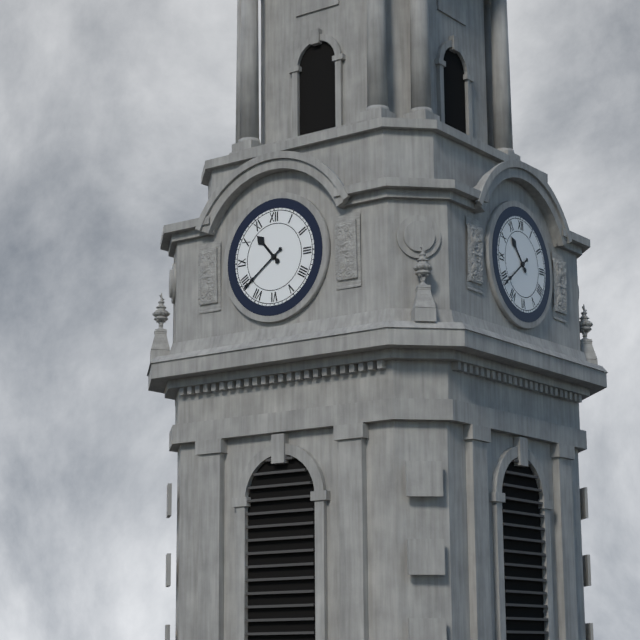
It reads **10:39**
